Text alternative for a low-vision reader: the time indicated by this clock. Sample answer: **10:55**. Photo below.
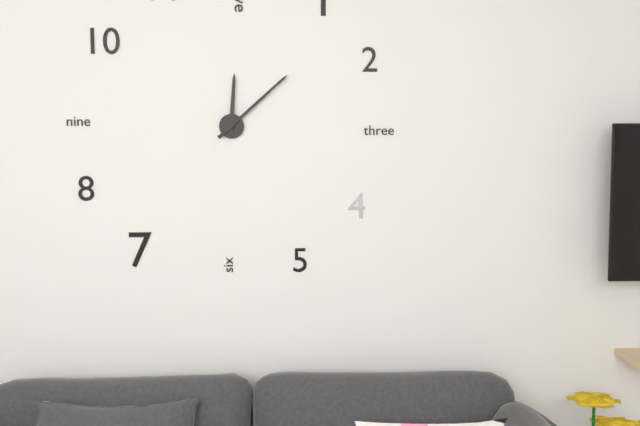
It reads **12:08**
